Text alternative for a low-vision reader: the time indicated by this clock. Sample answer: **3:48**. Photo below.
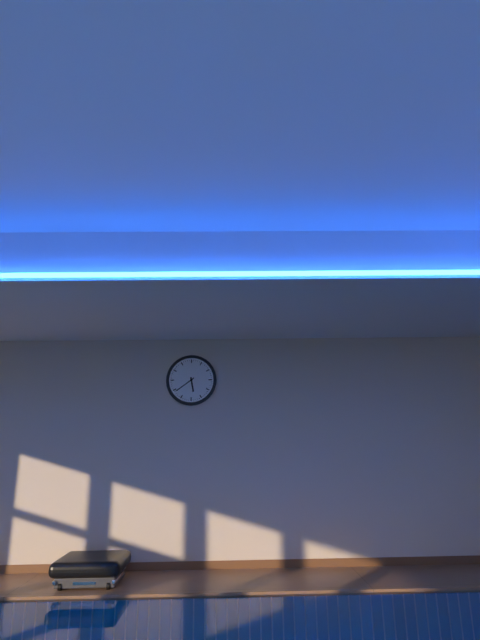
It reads **5:39**
